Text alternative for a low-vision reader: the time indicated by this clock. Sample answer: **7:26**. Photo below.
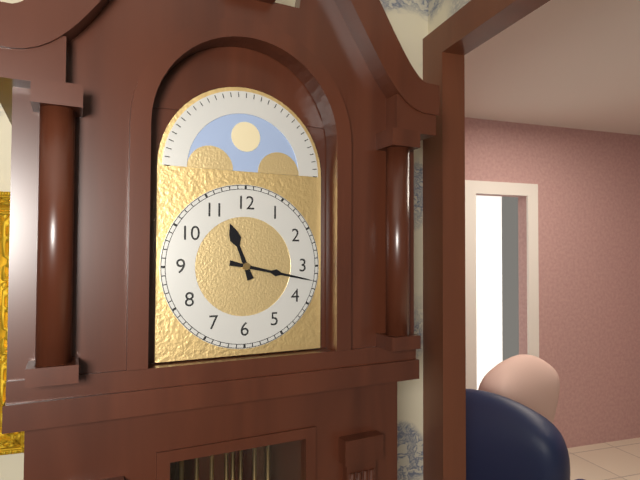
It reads **11:17**
